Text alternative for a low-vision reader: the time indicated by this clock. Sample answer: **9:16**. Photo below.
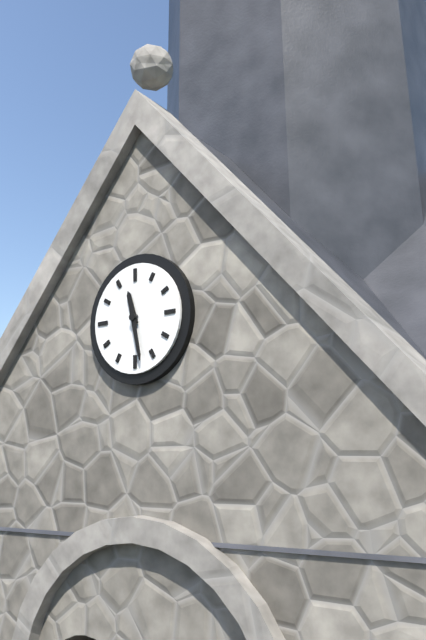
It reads **11:28**
